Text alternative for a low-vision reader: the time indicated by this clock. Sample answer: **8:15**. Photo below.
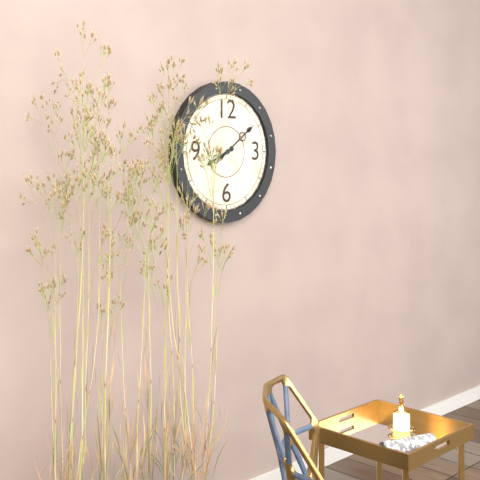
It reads **8:09**
